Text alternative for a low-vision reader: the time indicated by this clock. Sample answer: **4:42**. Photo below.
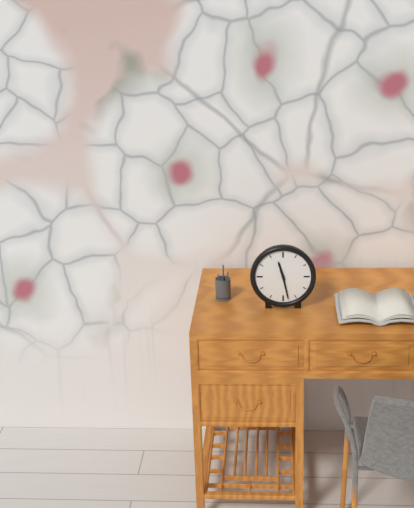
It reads **11:28**
